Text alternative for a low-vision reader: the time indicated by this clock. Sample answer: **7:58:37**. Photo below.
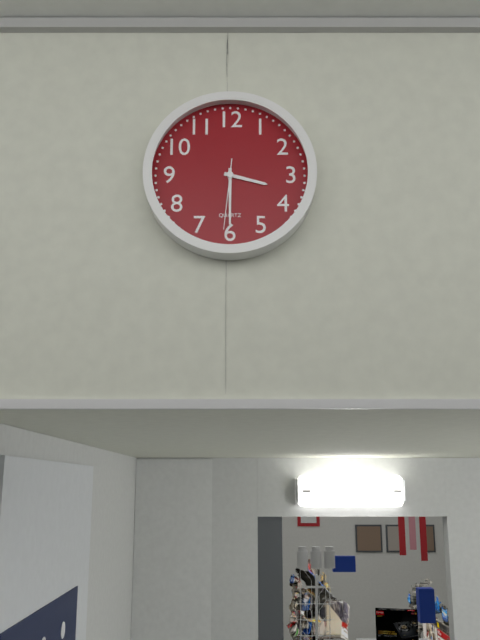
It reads **3:30:31**
